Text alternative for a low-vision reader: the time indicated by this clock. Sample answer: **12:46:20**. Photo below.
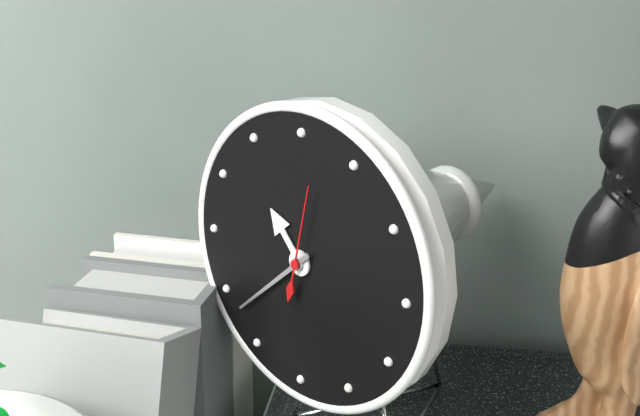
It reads **10:38:02**
